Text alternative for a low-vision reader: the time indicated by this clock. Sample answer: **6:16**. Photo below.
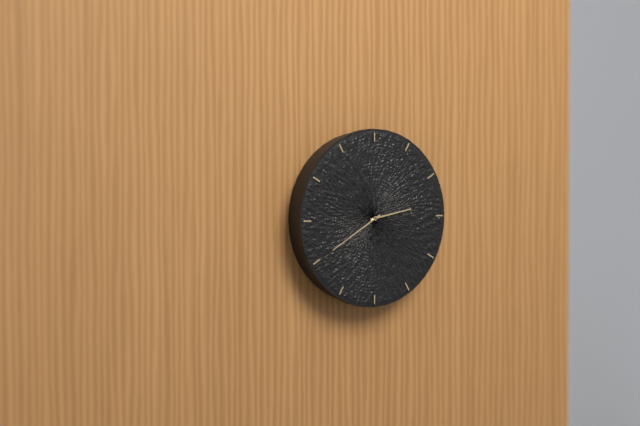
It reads **2:40**
